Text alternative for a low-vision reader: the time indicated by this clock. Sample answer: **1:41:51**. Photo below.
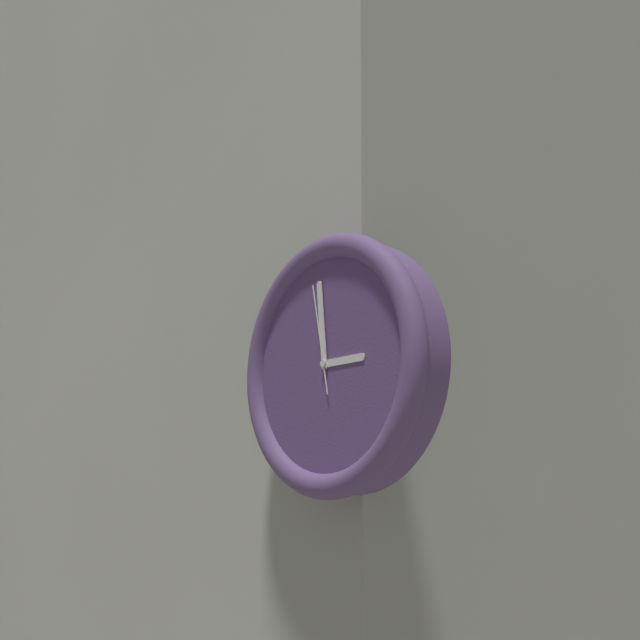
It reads **2:59:58**
